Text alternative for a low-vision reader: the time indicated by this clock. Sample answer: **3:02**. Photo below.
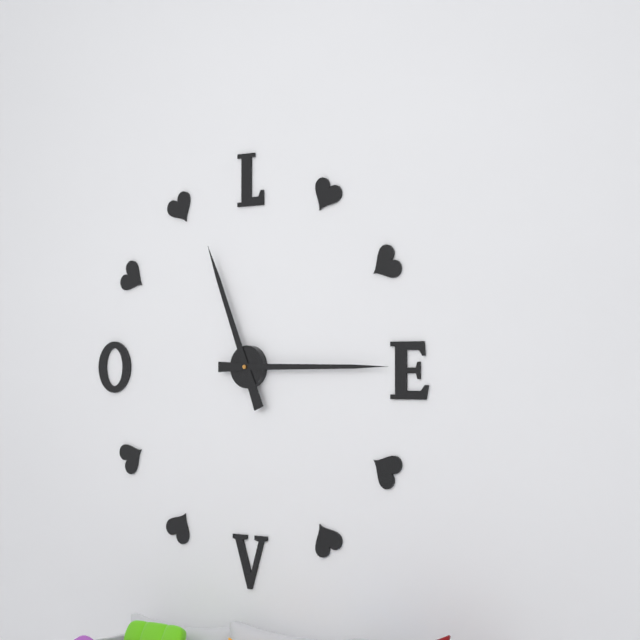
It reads **11:15**
